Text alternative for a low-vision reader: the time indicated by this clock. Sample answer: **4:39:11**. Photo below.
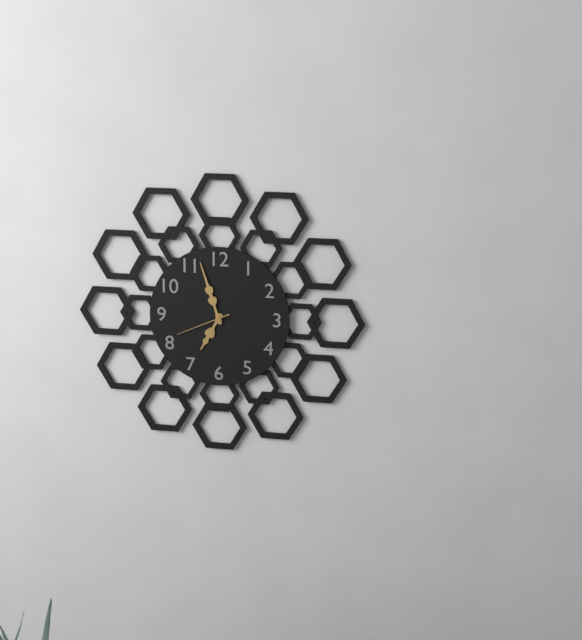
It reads **6:57:41**
